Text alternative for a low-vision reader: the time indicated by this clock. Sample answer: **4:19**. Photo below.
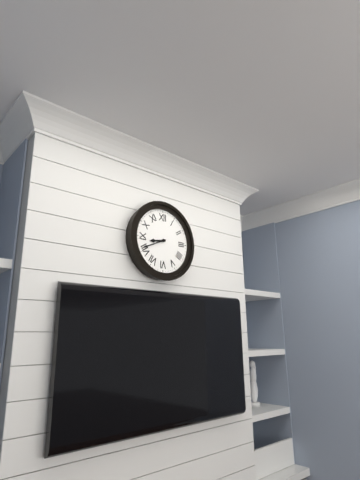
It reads **8:41**
